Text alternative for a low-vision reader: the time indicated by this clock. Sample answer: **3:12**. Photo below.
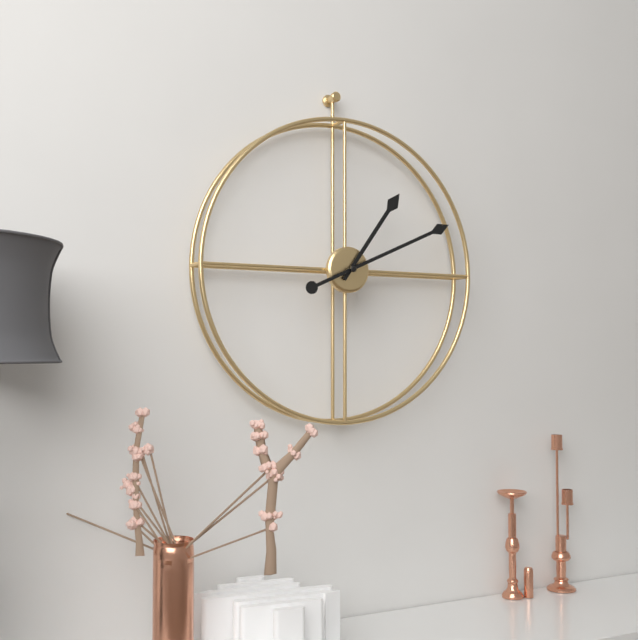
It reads **1:11**
